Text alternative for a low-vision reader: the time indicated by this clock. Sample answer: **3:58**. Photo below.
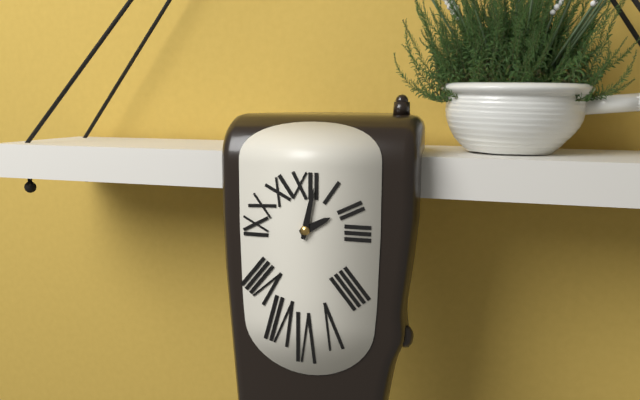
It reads **2:02**
